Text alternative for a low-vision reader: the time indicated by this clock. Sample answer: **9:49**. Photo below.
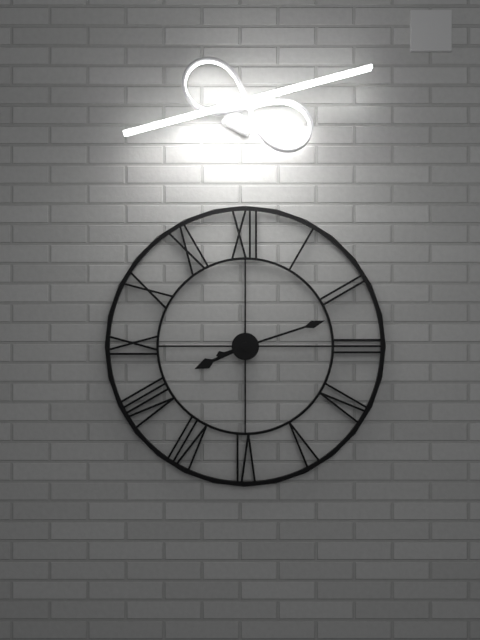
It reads **8:12**
